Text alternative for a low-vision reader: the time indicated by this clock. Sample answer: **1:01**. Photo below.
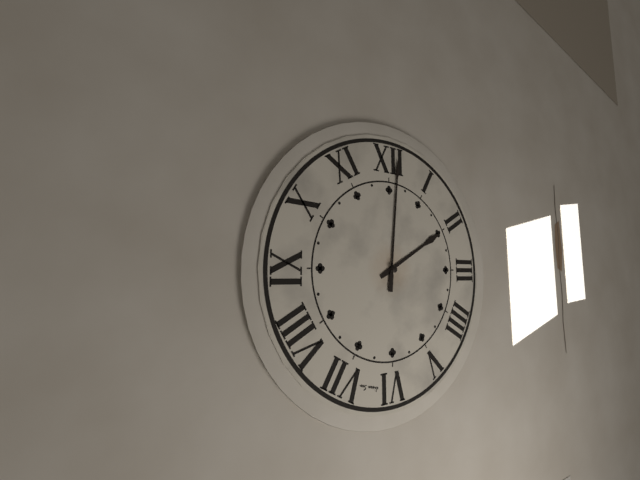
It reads **2:01**
